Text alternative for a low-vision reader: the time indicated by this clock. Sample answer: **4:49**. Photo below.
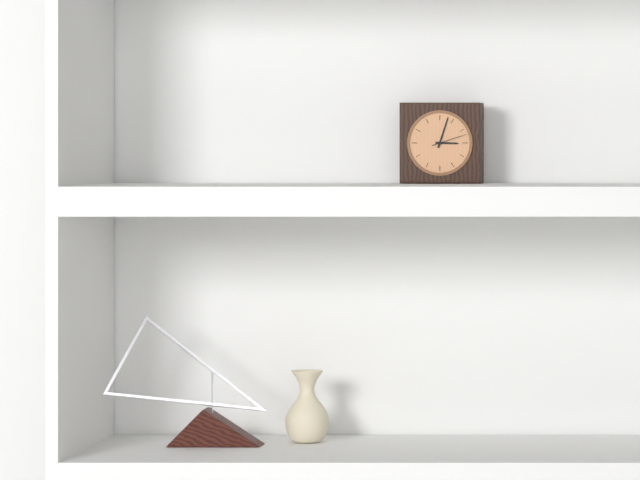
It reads **3:03**
